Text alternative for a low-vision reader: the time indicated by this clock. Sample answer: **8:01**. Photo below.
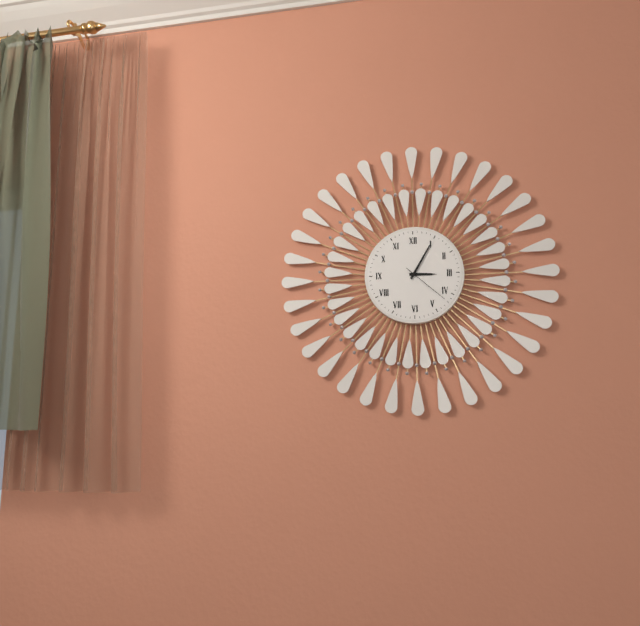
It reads **3:05**
